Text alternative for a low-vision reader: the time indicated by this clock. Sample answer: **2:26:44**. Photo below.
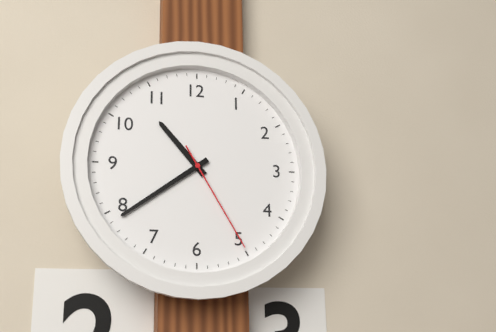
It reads **10:39:25**
